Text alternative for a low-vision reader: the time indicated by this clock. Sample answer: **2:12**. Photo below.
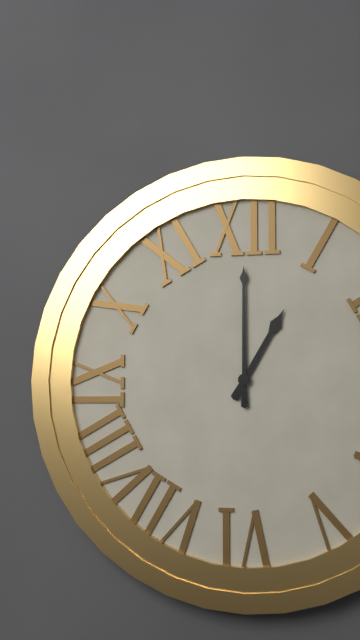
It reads **1:00**
